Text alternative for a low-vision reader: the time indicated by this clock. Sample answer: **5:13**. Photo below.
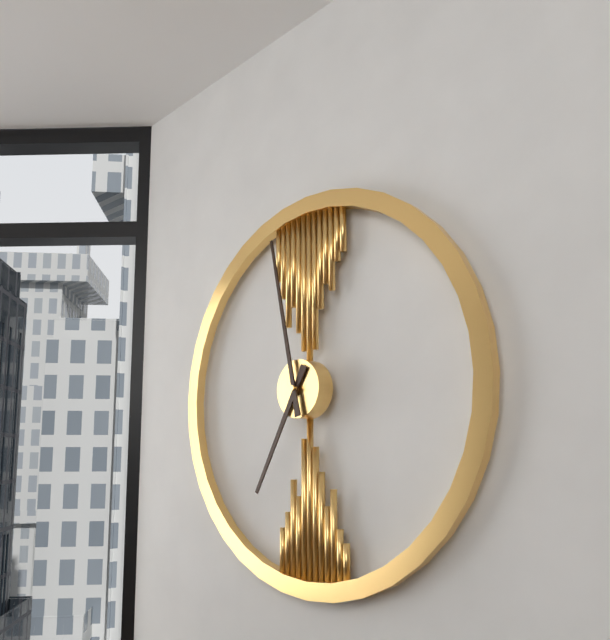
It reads **6:58**
